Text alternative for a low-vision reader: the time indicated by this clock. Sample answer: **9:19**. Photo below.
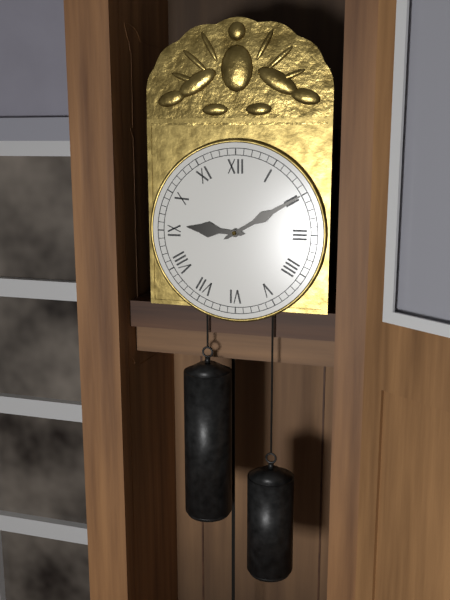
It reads **9:10**
